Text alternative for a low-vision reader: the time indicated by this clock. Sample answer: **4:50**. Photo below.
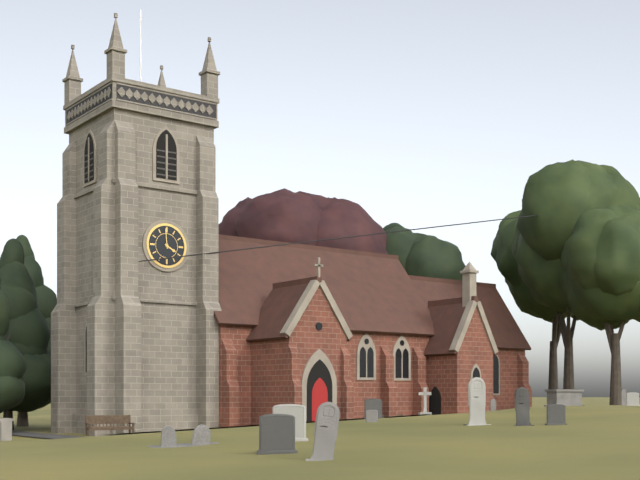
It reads **3:59**
